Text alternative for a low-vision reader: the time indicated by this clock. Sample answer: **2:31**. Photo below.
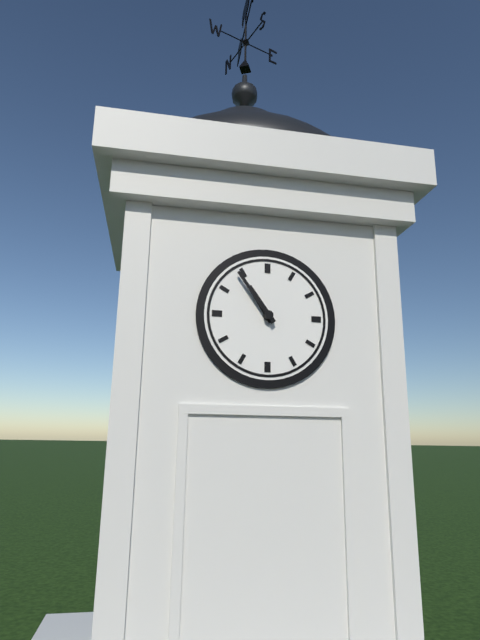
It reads **10:54**
